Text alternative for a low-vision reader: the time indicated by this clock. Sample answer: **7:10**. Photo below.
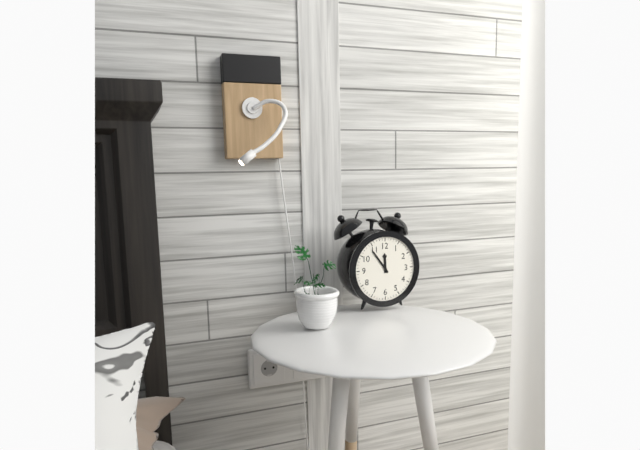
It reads **11:54**
